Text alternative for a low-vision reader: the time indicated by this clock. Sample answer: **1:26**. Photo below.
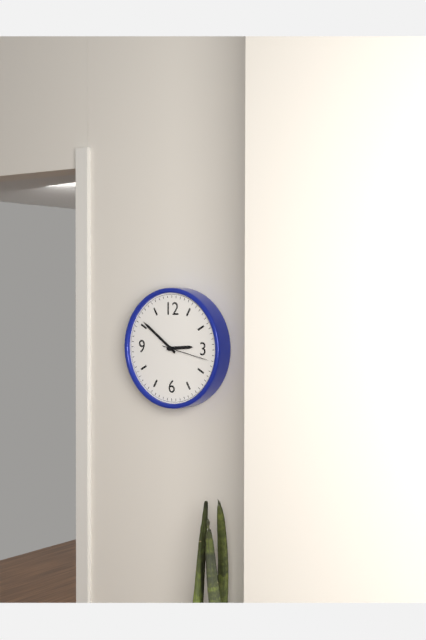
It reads **2:51**
